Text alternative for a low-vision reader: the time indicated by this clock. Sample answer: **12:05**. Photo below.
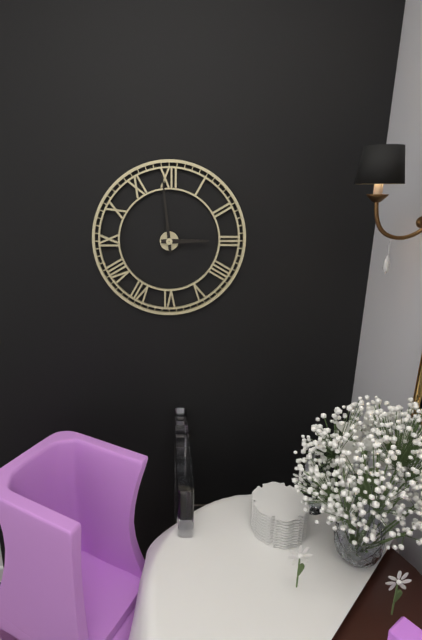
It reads **2:59**
